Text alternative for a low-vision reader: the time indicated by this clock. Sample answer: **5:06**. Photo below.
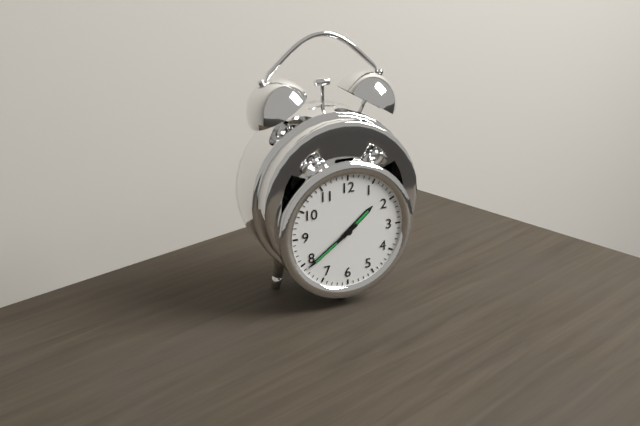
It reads **1:39**
